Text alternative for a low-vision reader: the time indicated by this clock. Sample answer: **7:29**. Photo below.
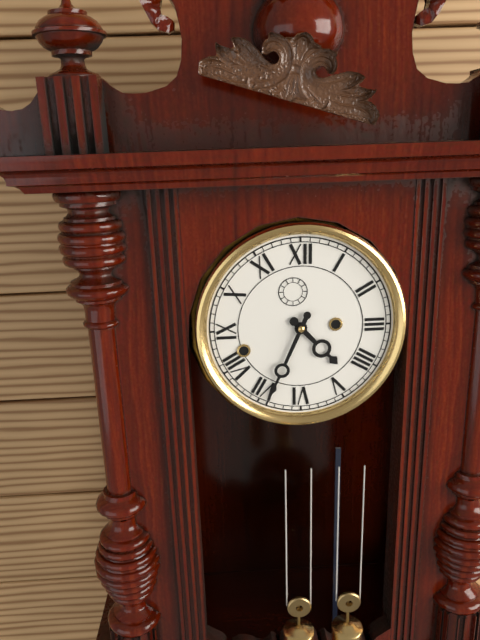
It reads **4:34**
